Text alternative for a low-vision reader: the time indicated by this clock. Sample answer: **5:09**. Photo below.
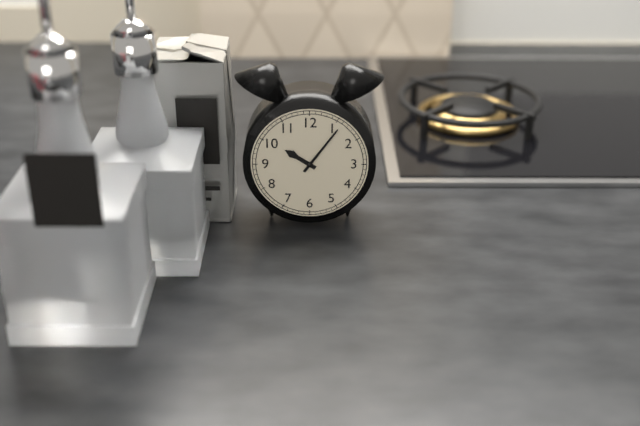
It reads **10:06**
